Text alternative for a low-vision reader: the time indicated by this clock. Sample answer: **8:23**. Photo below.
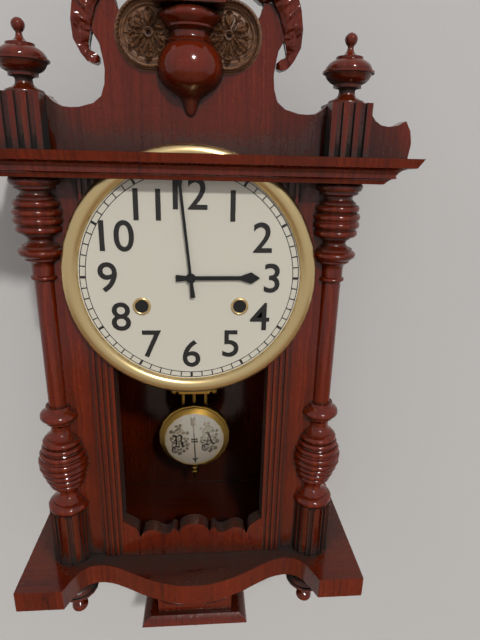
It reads **2:59**
